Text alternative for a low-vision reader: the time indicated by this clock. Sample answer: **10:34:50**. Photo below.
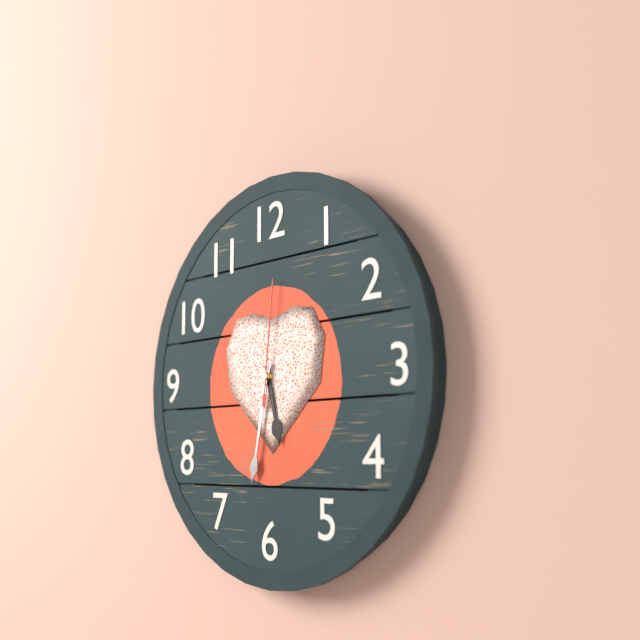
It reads **5:32:01**
